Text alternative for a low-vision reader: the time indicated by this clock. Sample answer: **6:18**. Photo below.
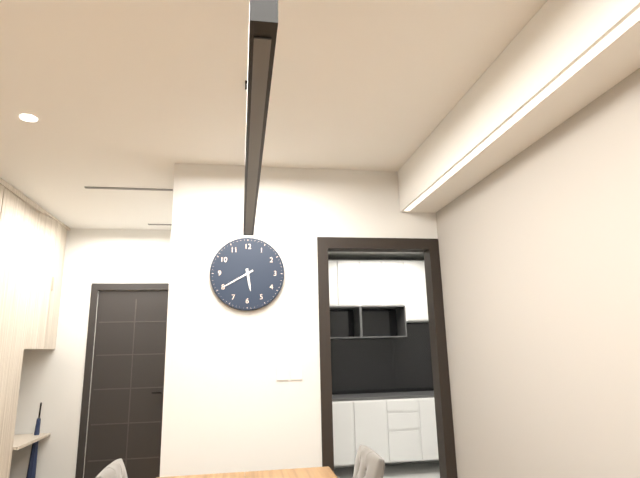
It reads **5:40**
